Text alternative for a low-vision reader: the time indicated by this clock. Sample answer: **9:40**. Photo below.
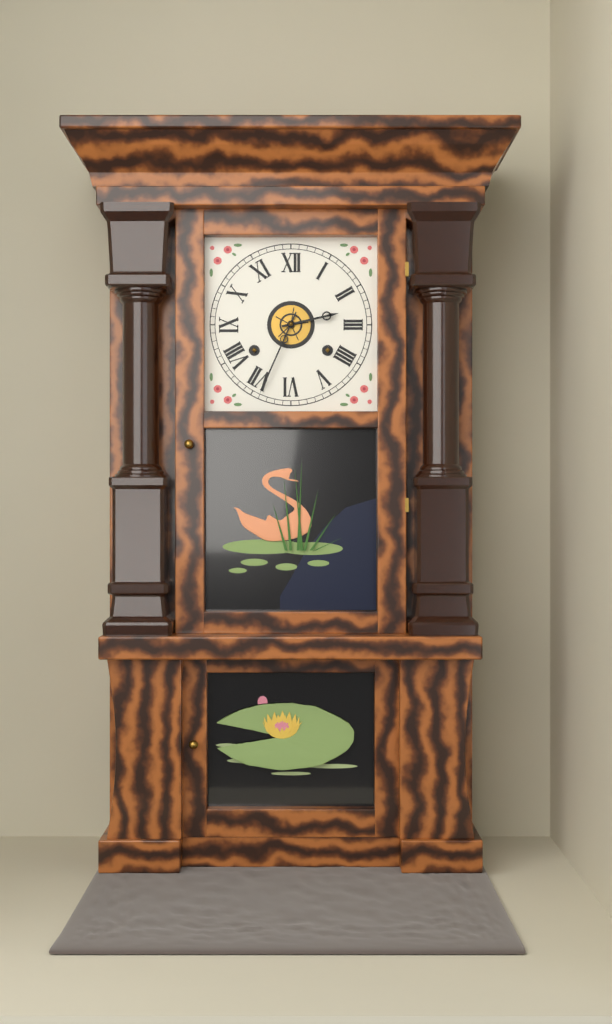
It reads **2:34**
